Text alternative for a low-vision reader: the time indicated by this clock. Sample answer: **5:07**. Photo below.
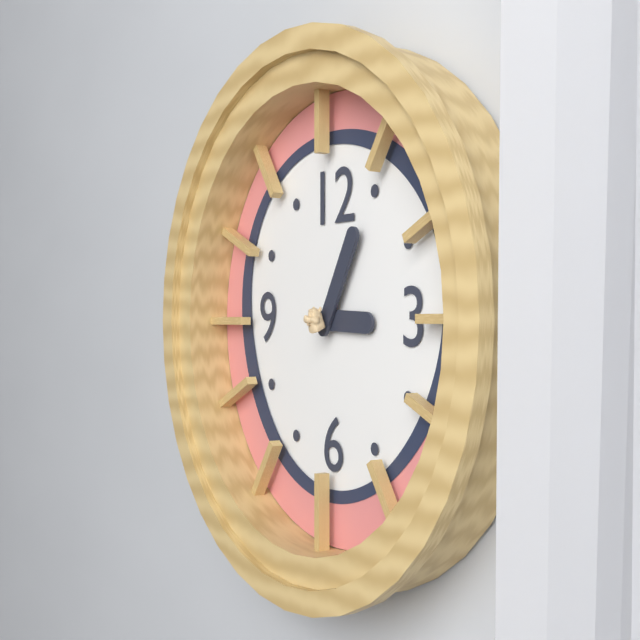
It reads **3:05**
